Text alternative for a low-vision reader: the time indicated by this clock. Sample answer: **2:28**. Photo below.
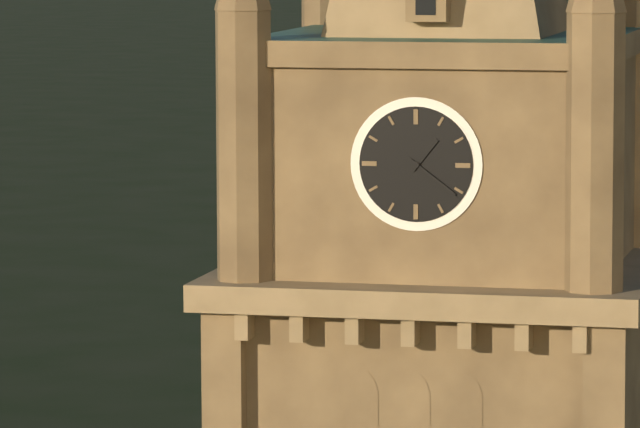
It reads **1:21**
